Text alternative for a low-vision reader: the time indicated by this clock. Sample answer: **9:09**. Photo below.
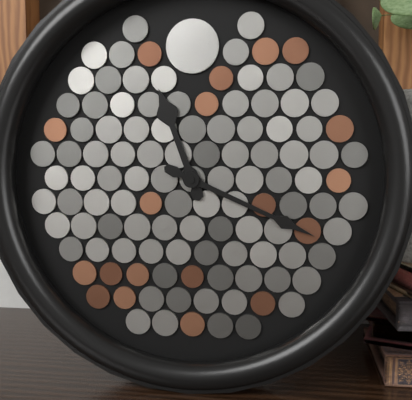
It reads **11:19**
